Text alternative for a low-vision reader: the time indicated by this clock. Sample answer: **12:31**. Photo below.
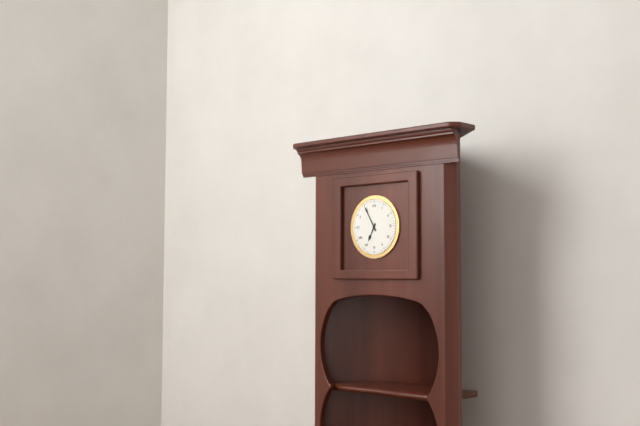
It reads **6:55**
